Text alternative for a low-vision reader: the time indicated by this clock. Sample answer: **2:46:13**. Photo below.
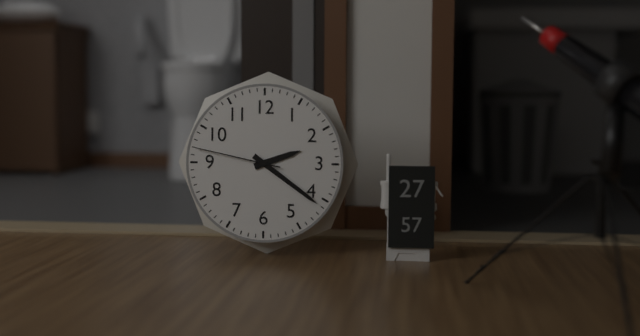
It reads **2:21:47**
